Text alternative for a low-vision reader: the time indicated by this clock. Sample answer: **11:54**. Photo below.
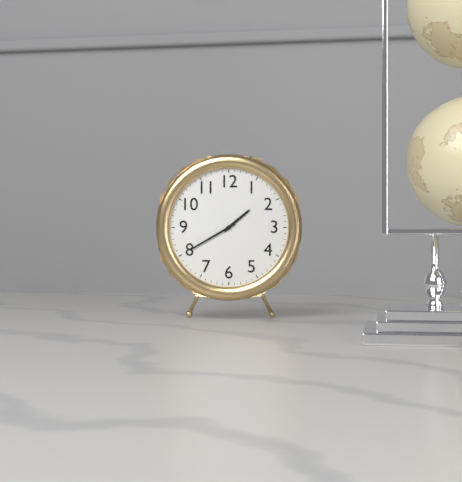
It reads **1:40**
